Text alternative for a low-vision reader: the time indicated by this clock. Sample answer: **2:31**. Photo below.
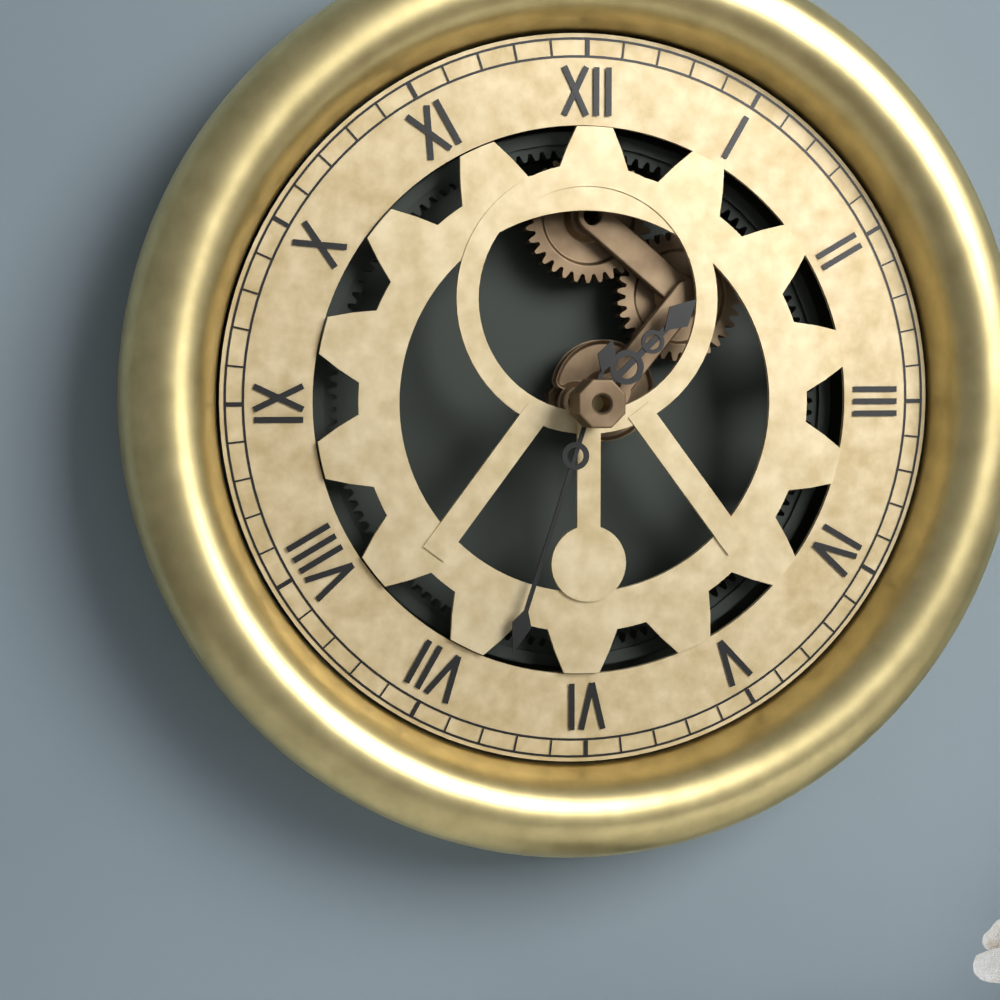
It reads **1:33**
